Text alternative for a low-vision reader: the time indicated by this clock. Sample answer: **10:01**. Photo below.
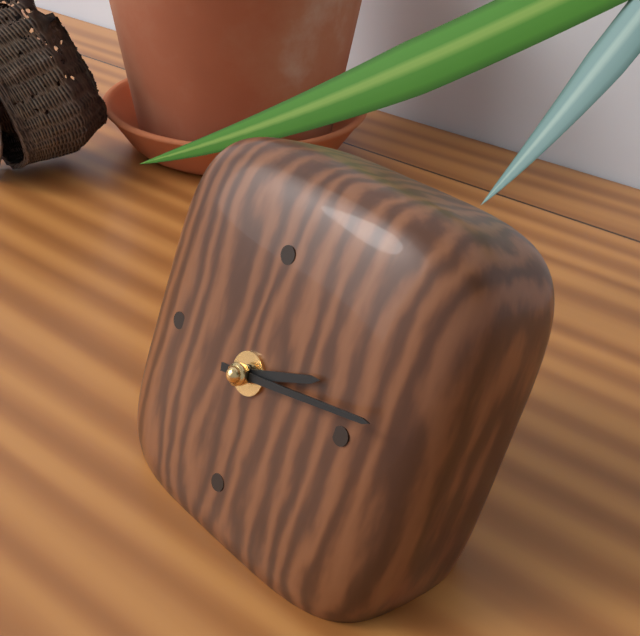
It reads **2:13**
